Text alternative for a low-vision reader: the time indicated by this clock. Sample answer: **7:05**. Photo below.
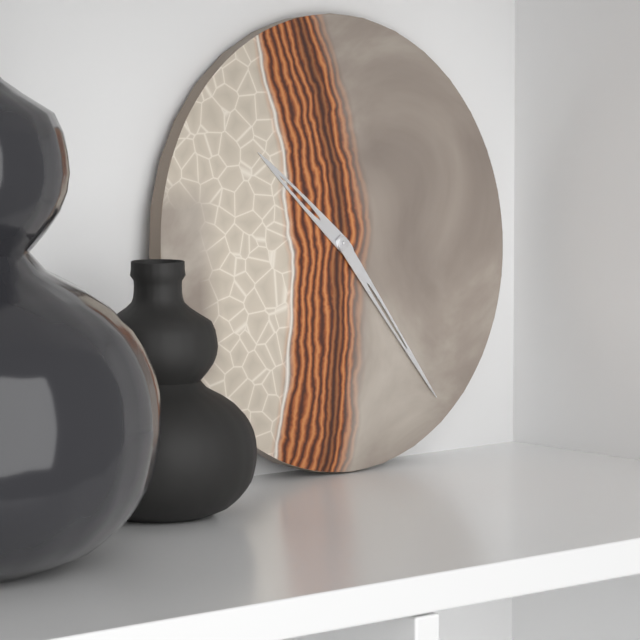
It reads **10:24**
